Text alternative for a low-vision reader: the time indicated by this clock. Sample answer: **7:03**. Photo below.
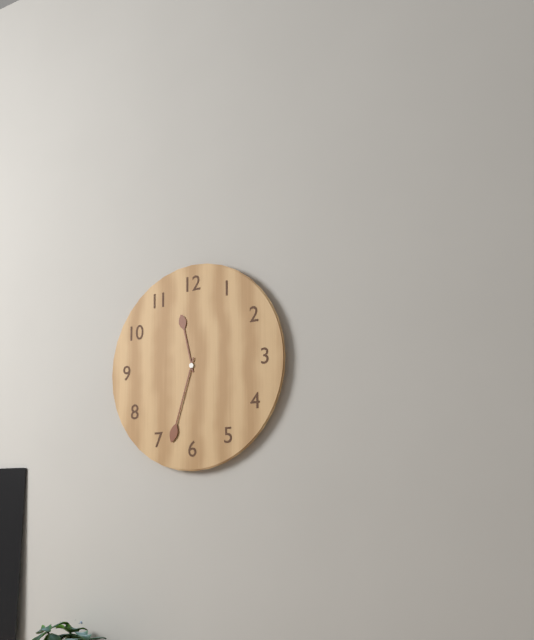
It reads **11:33**
